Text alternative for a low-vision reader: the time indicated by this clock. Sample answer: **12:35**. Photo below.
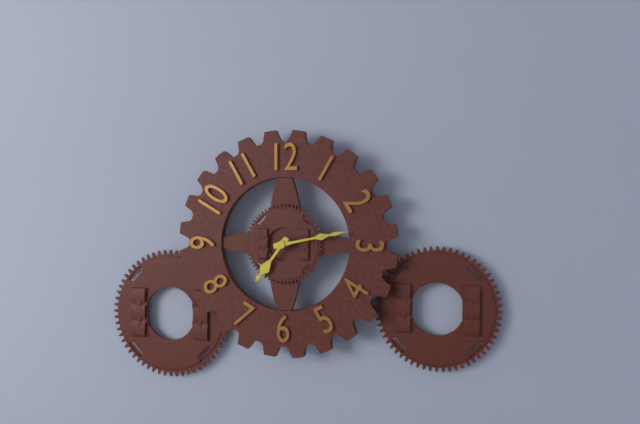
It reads **7:13**
